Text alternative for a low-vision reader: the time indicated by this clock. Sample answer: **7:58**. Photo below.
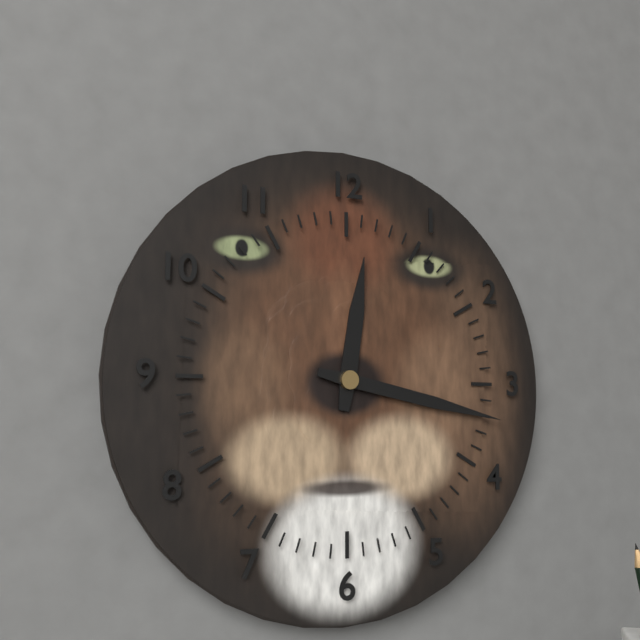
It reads **12:17**
